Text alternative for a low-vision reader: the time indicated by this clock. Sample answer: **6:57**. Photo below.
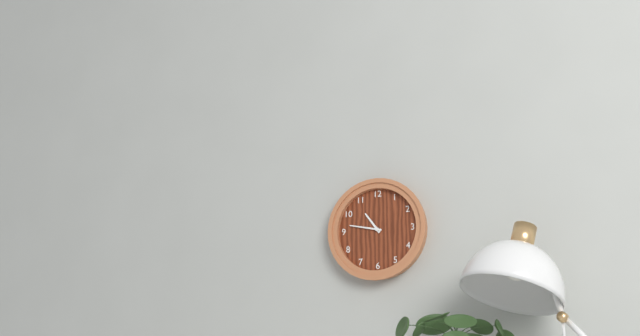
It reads **10:47**
